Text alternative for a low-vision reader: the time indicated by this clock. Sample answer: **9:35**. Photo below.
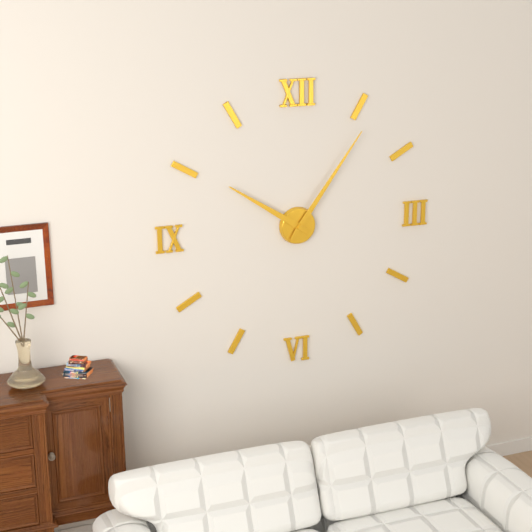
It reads **10:06**
